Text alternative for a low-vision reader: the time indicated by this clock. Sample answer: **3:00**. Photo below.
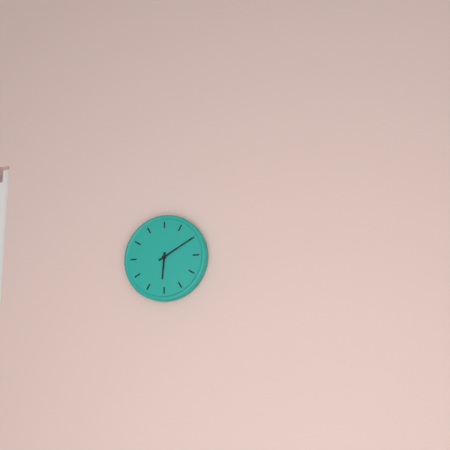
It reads **6:10**
